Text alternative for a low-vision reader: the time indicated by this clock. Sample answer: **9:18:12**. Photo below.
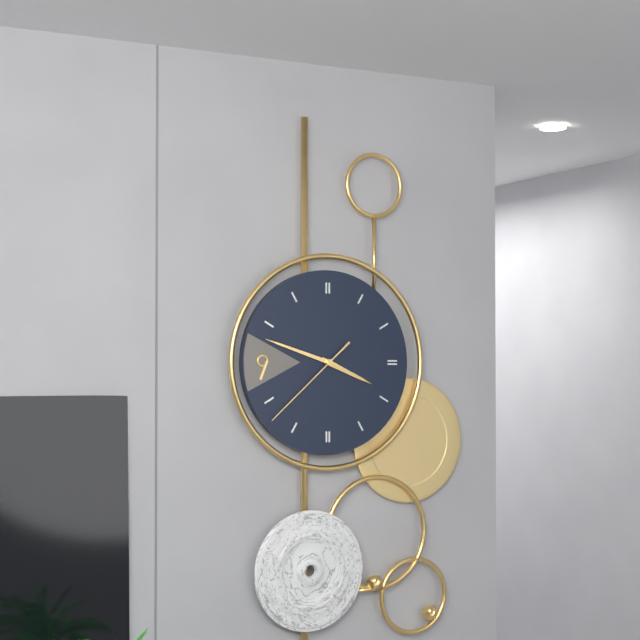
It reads **3:48:38**
